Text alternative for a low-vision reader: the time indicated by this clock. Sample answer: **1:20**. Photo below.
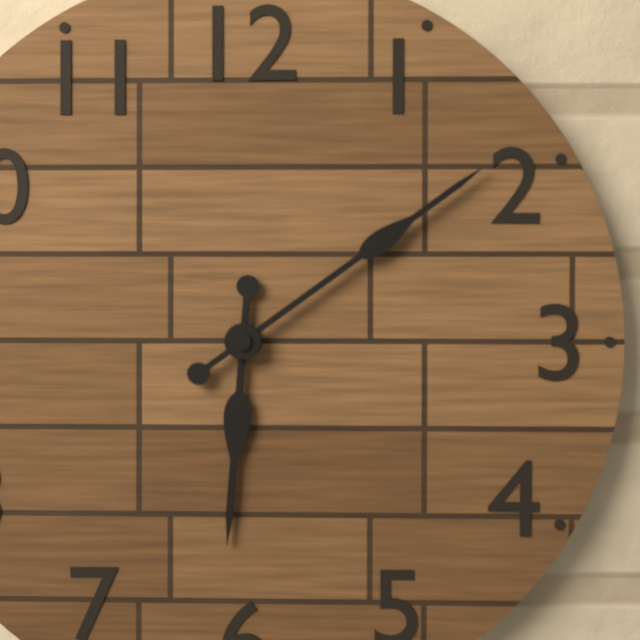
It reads **6:09**
